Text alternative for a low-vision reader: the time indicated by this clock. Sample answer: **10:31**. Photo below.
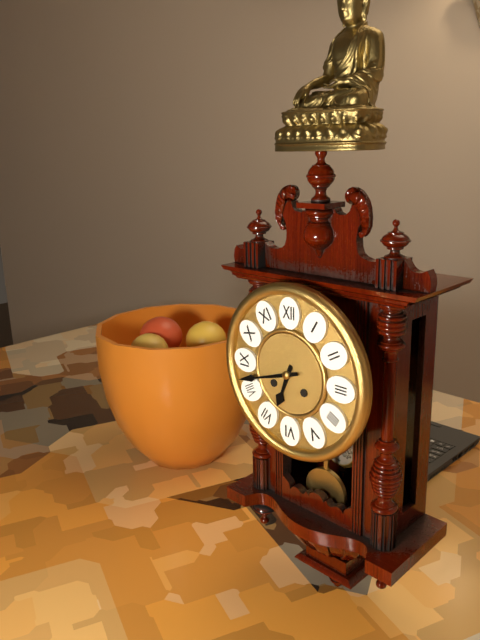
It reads **6:42**
